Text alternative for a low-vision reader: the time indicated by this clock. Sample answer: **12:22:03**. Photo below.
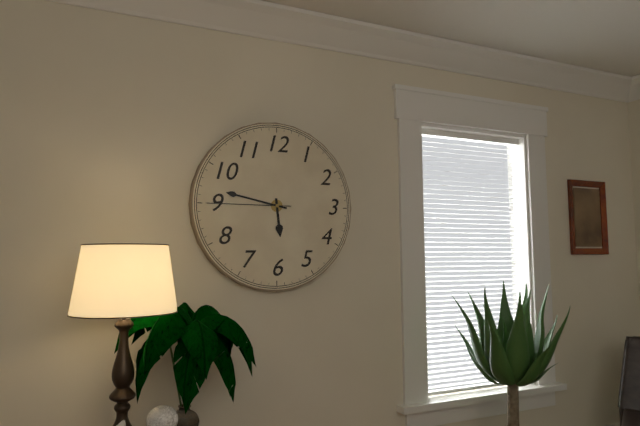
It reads **5:47:45**
